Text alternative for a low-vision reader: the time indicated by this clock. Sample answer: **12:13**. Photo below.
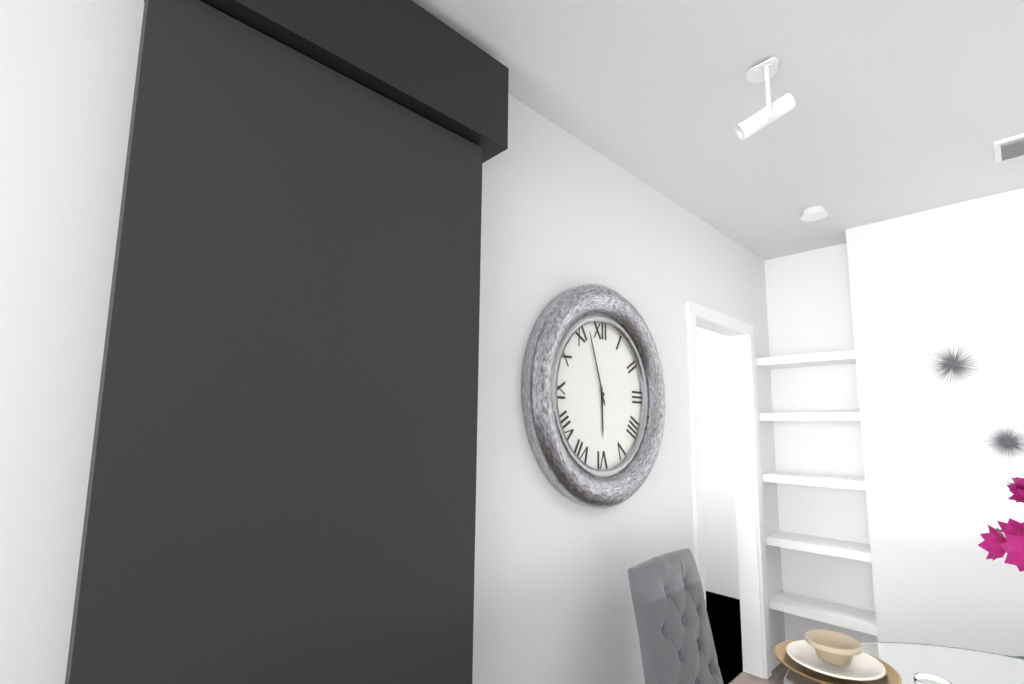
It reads **5:57**
